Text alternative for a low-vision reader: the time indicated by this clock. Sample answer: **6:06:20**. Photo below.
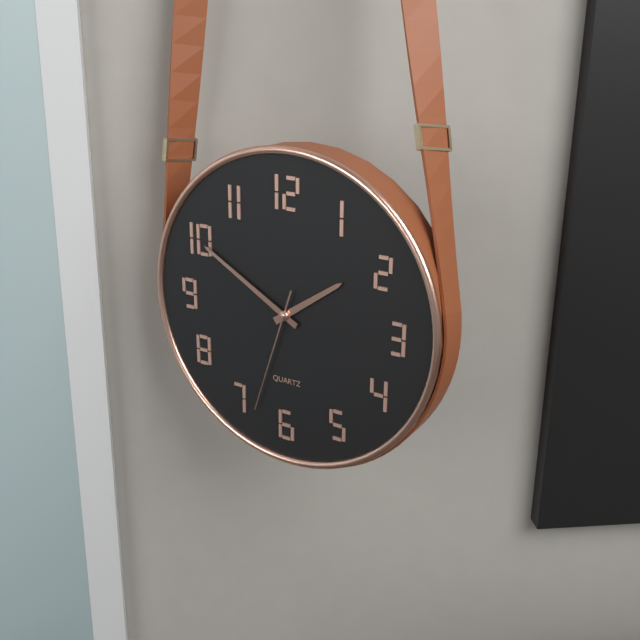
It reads **1:50:33**
